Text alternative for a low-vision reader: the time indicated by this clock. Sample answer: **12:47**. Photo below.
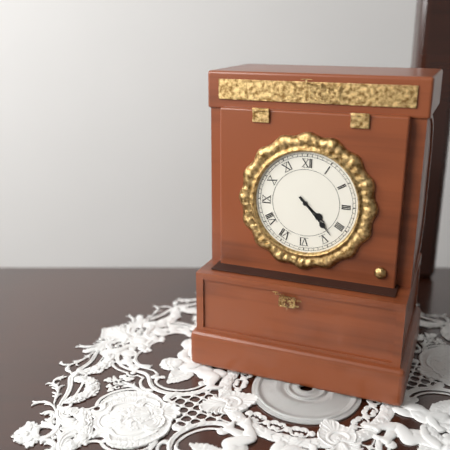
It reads **4:23**
